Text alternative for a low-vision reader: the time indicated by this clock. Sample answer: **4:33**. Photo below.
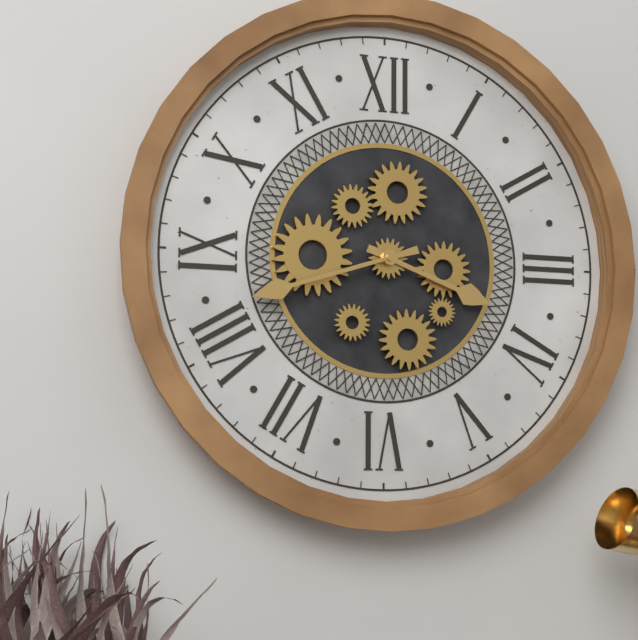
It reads **3:42**
